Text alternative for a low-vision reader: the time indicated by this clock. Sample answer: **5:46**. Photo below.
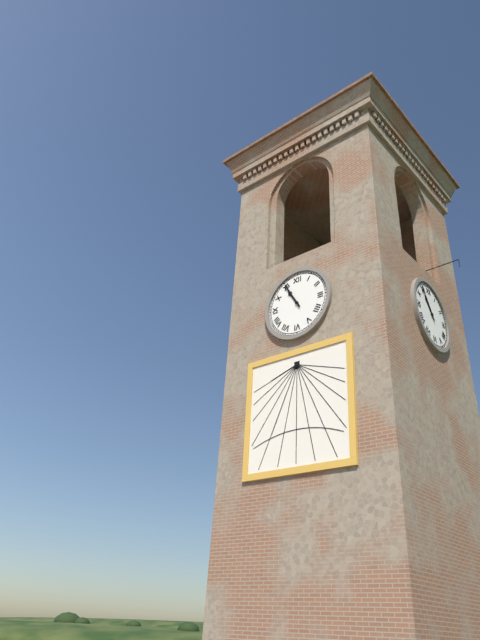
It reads **10:55**
